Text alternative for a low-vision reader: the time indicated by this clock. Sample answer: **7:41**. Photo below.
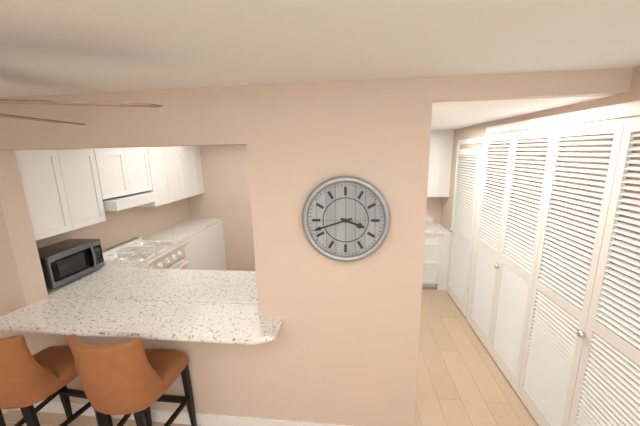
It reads **3:42**
